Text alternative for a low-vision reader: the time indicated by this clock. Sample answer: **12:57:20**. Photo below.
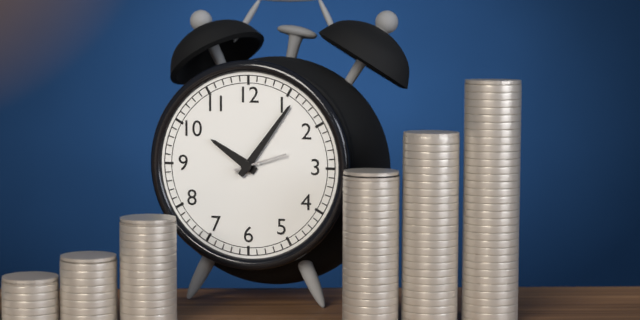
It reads **10:06:12**
